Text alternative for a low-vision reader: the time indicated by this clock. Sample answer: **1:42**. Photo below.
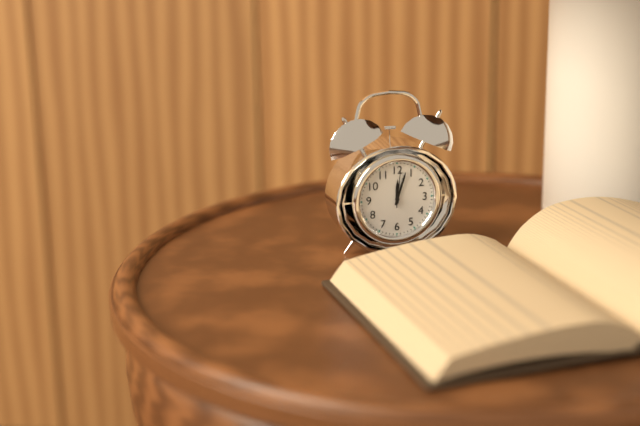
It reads **12:03**
